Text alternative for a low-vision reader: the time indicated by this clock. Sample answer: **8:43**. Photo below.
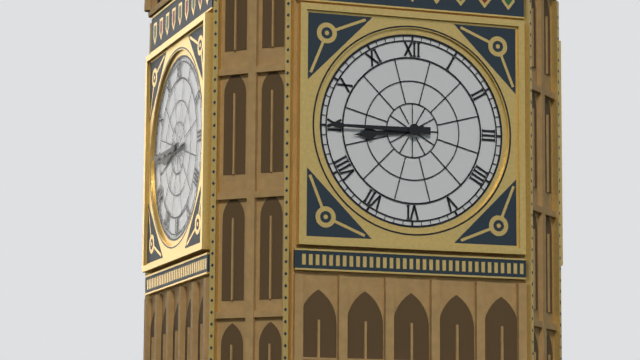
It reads **8:45**
